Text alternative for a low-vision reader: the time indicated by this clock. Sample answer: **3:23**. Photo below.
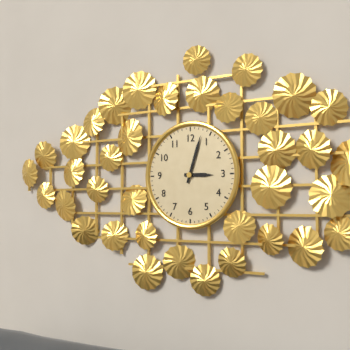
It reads **3:03**
